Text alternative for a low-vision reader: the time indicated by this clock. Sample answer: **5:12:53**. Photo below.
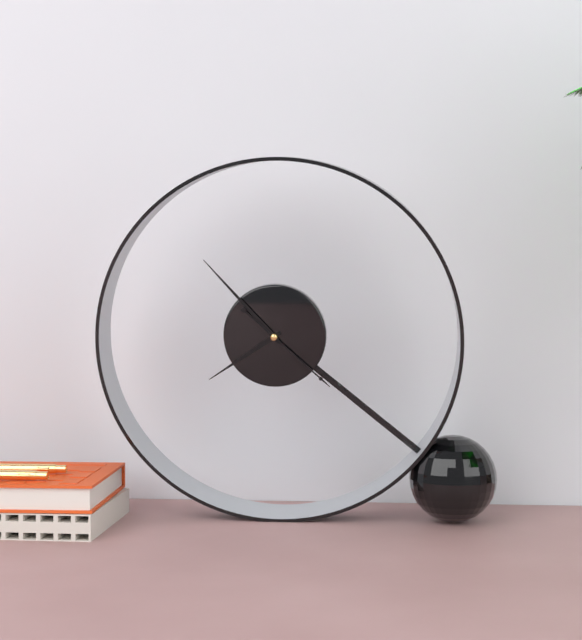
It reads **7:53:22**
